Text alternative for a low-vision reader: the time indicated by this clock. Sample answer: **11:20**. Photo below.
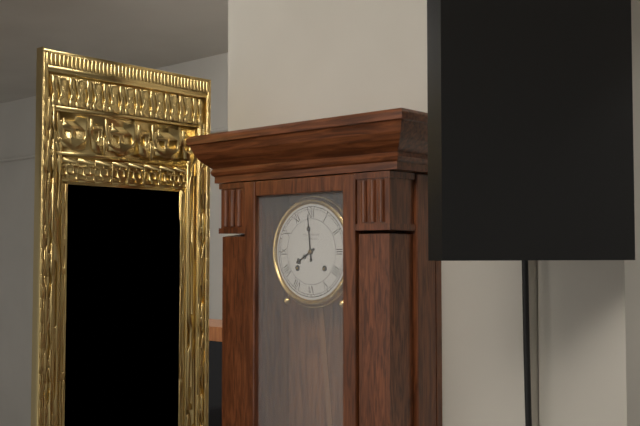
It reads **7:59**
